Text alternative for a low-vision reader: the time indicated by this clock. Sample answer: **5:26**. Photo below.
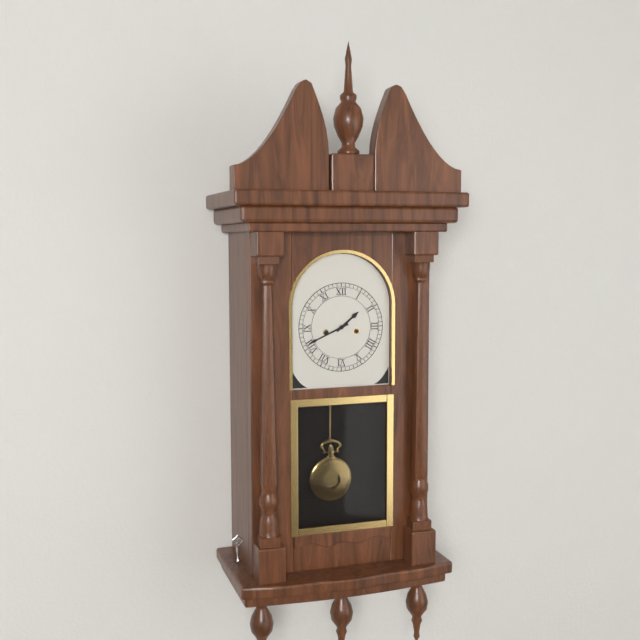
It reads **1:41**
